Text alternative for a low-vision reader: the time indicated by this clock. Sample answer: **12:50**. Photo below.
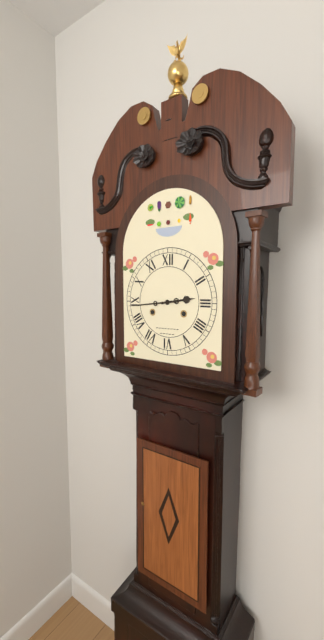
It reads **2:44**
